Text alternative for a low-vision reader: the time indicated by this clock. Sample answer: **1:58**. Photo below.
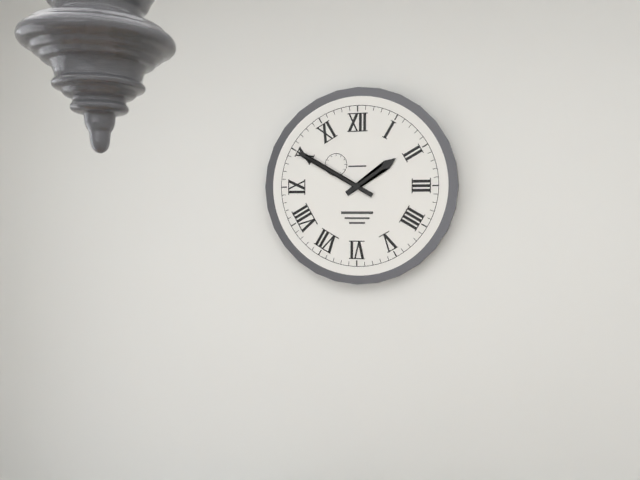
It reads **1:50**
